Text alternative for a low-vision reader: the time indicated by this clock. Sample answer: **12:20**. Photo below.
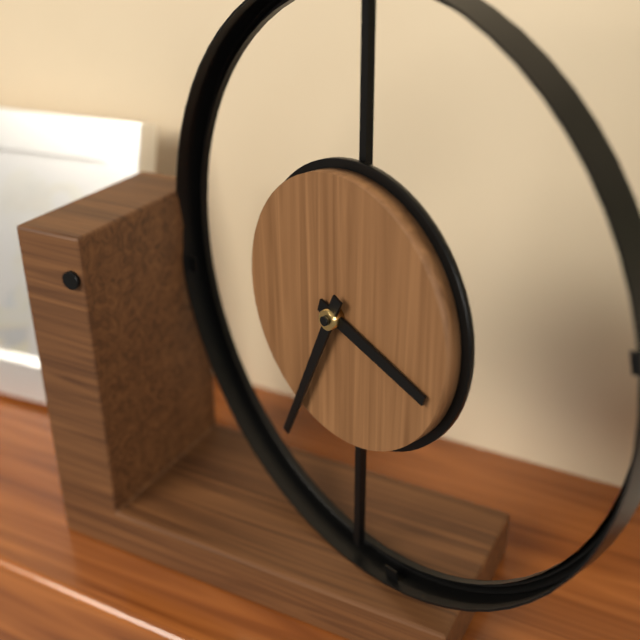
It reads **3:34**
